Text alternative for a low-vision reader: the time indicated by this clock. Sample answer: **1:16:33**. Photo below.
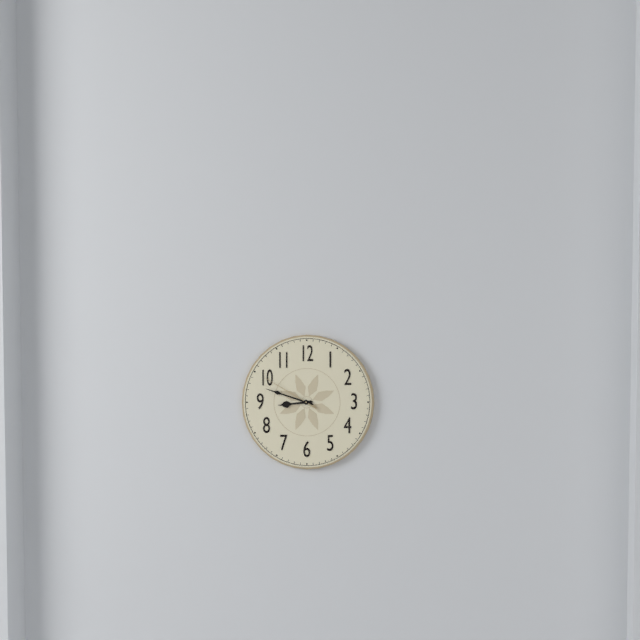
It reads **8:48:50**
